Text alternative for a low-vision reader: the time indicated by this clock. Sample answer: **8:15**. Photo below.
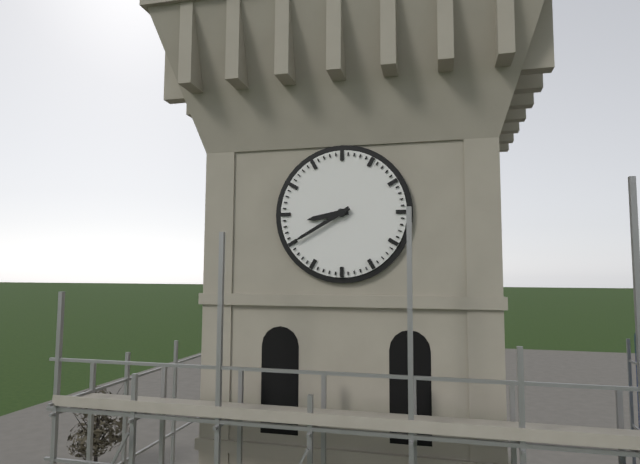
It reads **8:40**
